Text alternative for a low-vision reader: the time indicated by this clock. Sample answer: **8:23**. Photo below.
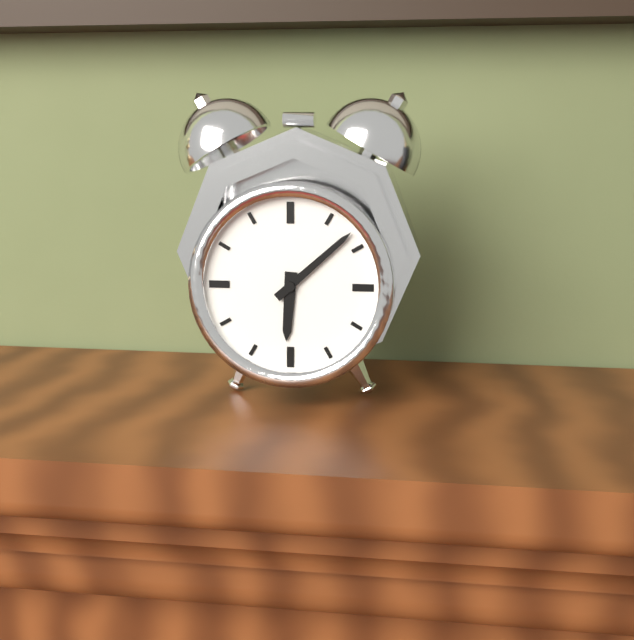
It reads **6:08**
